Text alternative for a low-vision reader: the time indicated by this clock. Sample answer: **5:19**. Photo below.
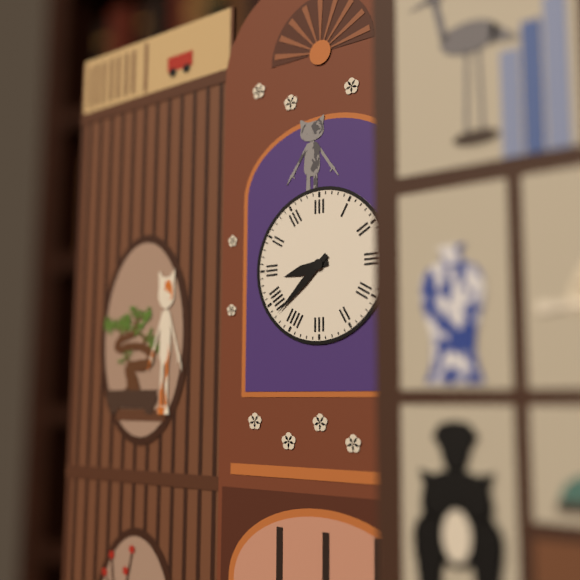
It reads **8:38**
